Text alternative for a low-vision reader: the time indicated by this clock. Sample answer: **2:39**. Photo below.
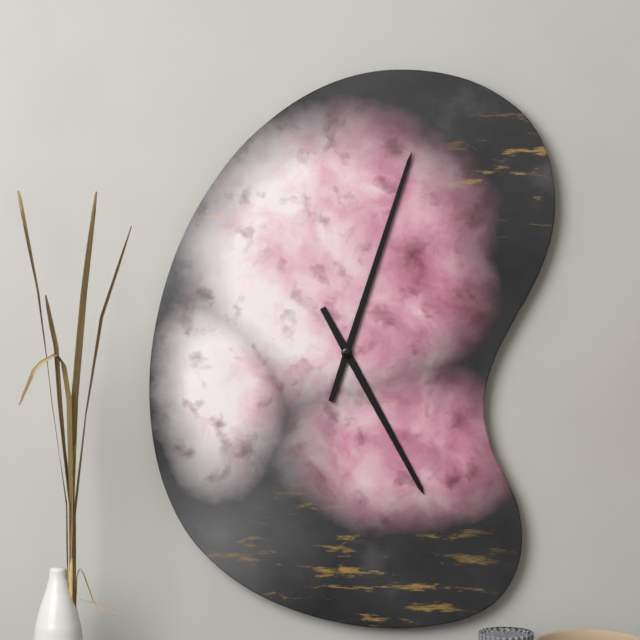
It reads **5:03**
